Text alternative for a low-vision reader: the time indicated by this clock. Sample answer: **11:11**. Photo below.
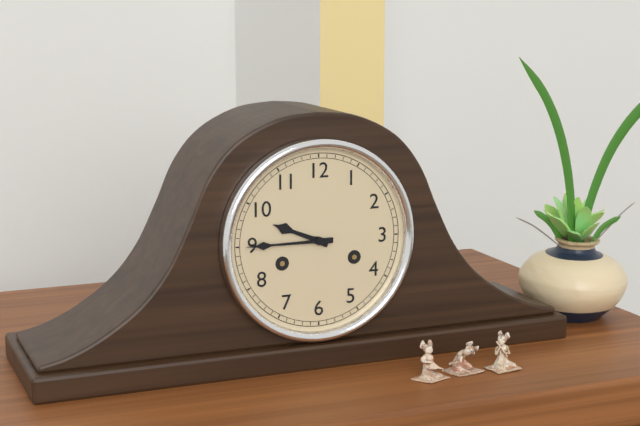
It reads **9:45**
